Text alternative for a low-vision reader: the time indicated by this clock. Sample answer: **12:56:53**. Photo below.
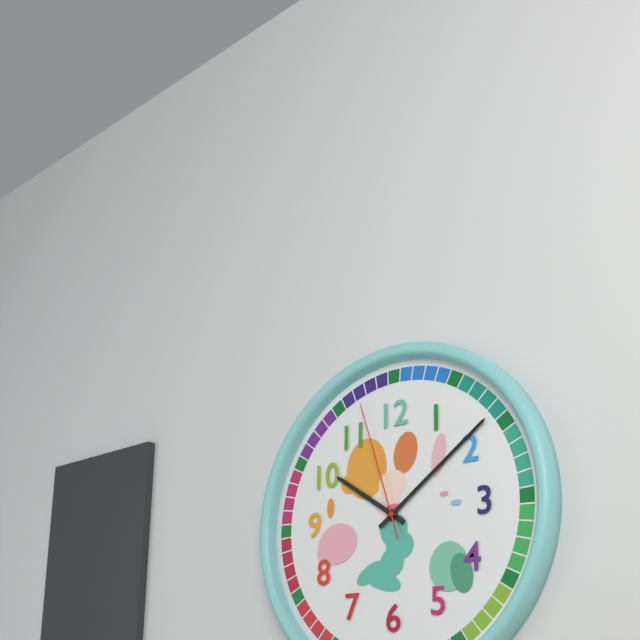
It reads **10:09:57**
